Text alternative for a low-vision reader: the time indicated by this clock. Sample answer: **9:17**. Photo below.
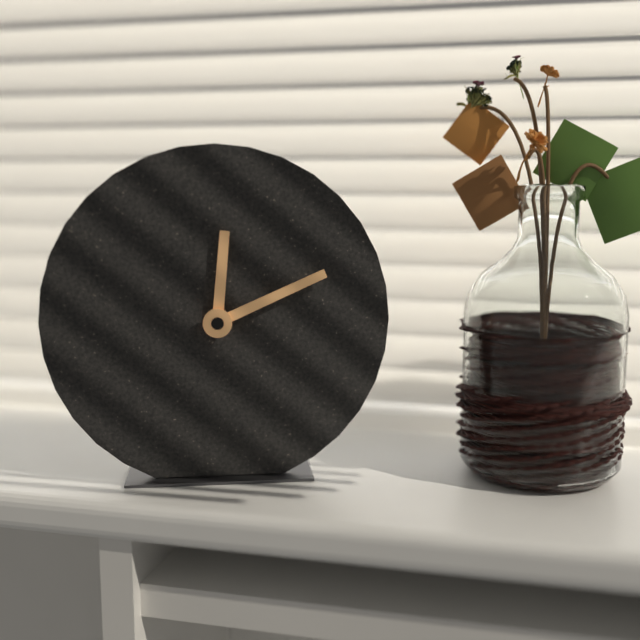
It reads **12:11**
